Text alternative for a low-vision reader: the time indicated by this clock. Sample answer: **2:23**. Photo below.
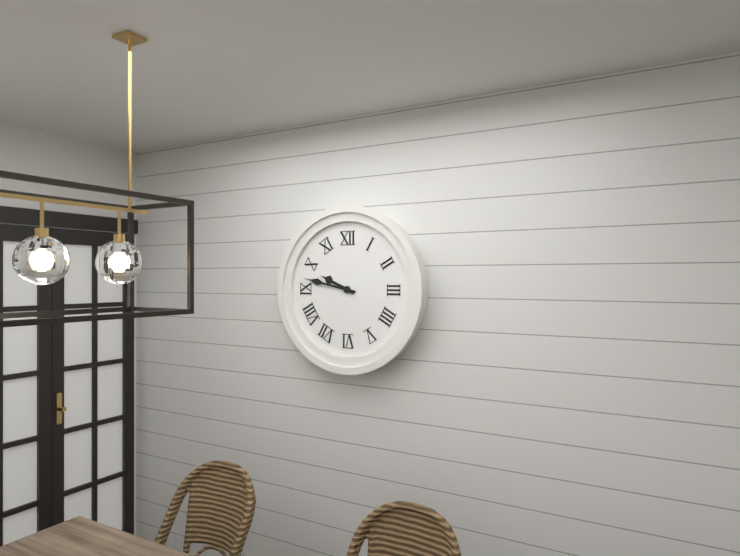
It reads **9:47**
